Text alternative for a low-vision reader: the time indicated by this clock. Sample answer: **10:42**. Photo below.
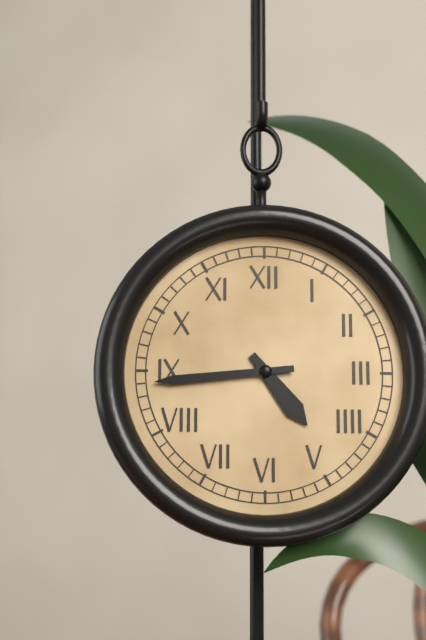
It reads **4:44**
